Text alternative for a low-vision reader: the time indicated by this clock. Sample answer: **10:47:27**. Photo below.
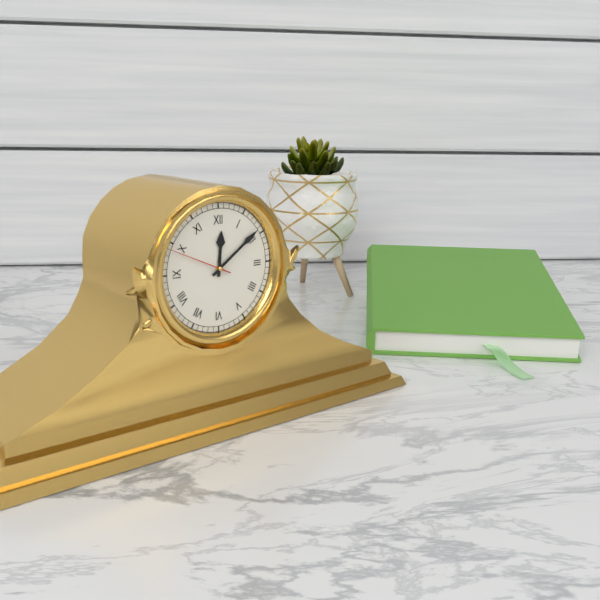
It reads **12:09:49**
